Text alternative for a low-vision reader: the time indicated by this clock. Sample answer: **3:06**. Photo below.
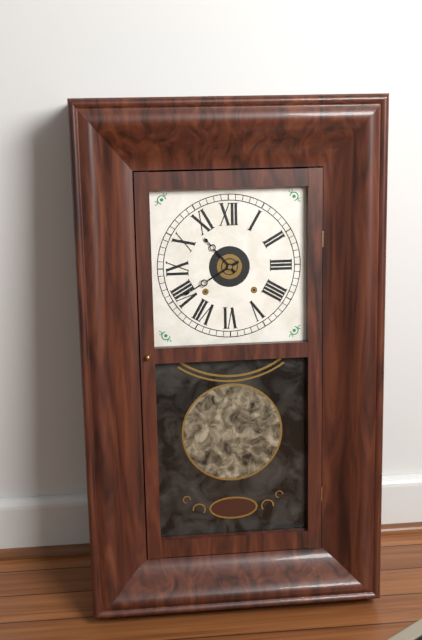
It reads **10:40**
